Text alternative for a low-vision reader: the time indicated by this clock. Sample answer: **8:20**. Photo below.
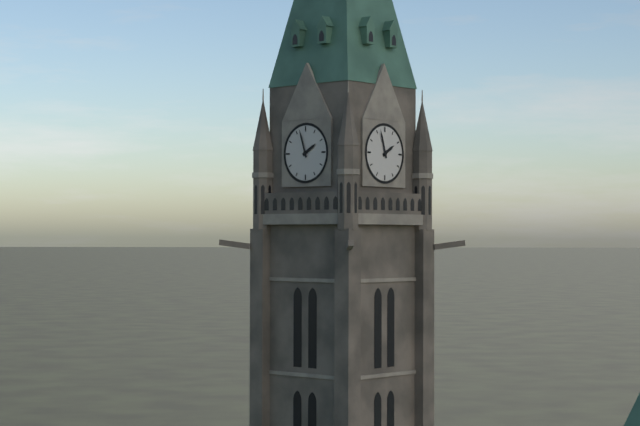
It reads **1:57**
